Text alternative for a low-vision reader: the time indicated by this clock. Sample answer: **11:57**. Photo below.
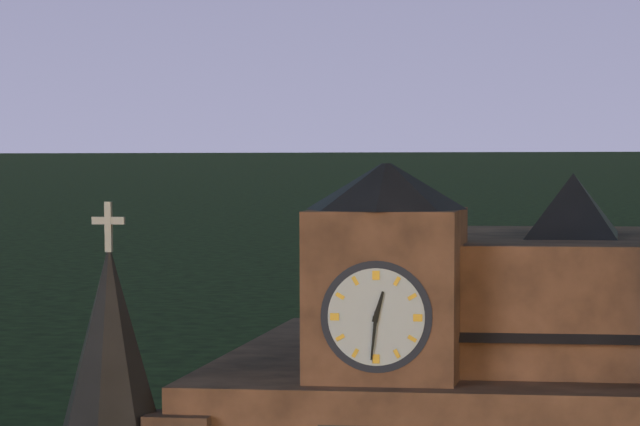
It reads **12:31**
